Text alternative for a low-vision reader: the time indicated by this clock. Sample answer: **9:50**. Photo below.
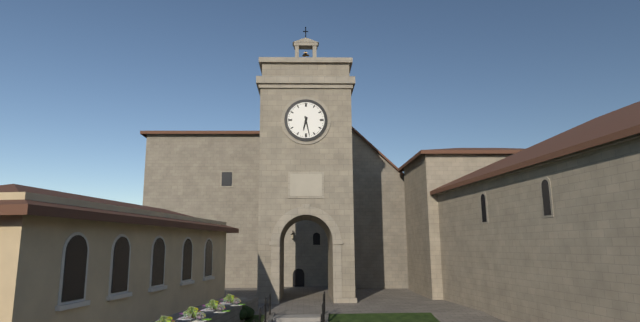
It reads **6:28**
